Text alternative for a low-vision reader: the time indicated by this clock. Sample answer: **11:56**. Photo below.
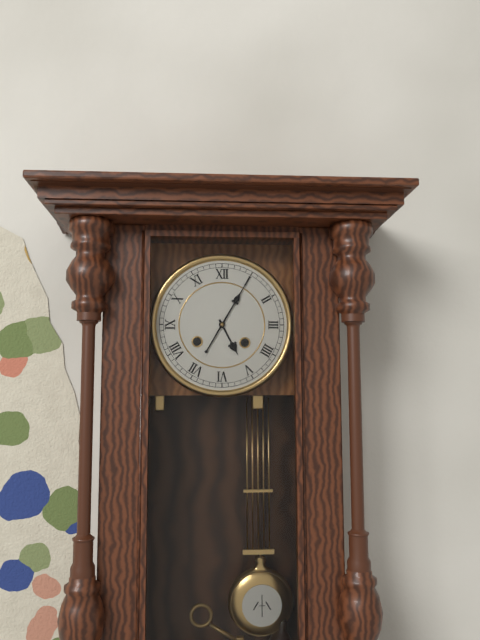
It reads **5:05**
